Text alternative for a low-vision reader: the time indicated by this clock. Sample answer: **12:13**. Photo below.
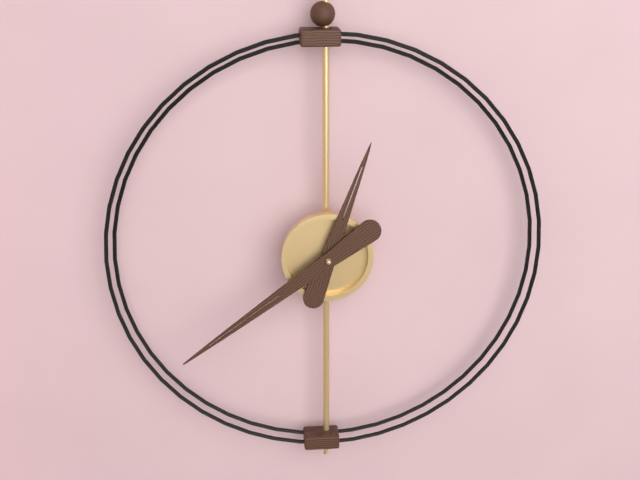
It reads **12:39**
